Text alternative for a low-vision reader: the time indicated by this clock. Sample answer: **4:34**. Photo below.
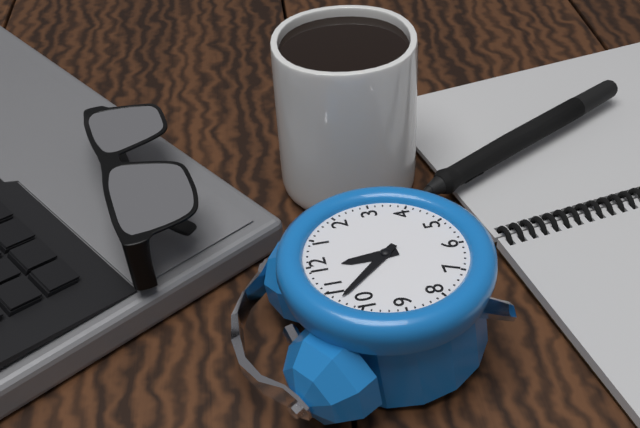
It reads **11:53**
